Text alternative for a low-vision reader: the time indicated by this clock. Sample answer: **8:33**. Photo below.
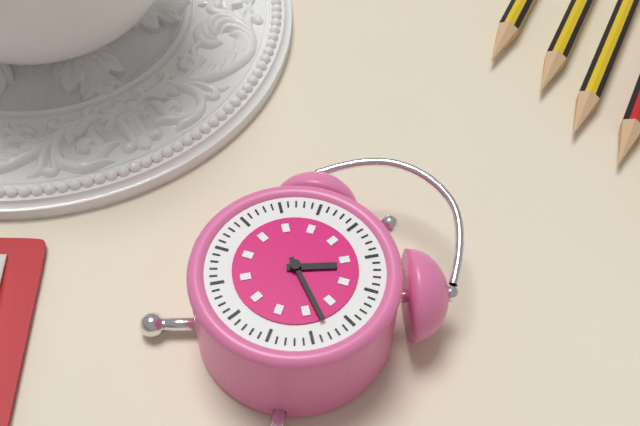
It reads **1:18**
